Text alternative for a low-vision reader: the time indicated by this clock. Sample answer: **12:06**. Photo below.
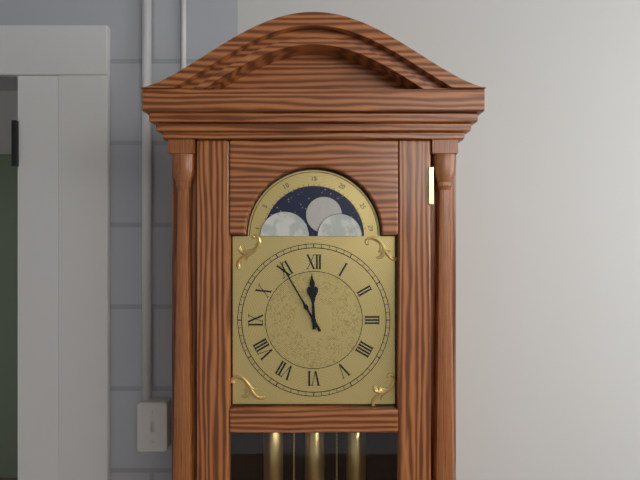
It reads **11:55**
